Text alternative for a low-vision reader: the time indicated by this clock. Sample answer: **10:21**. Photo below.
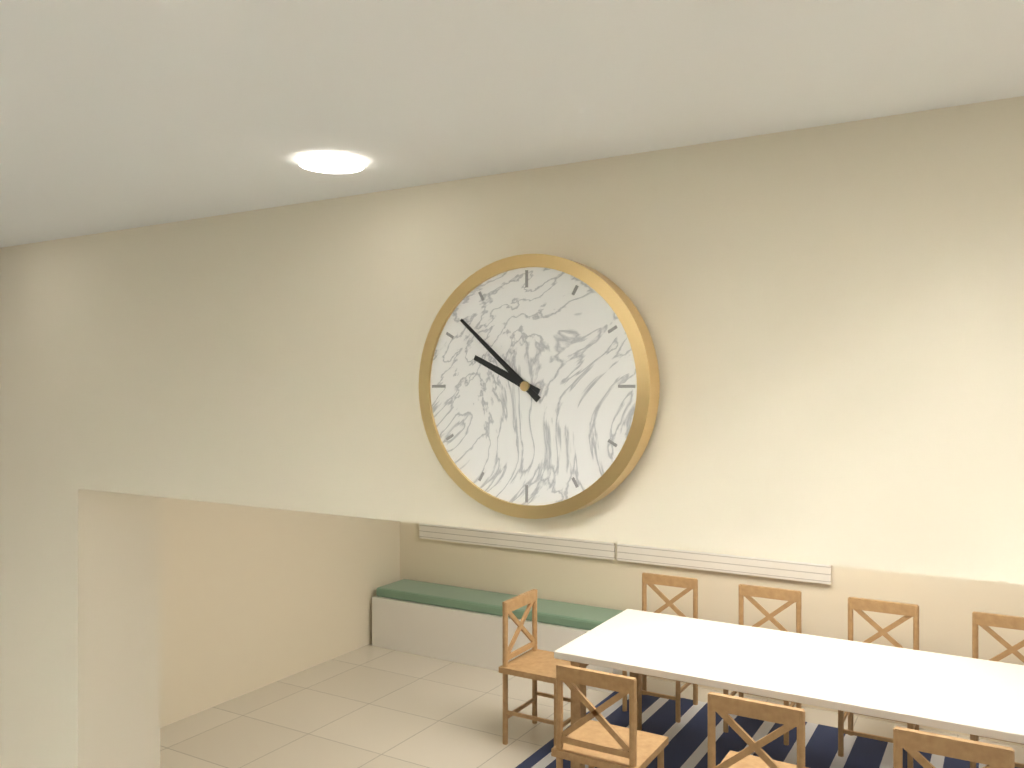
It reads **9:52**
